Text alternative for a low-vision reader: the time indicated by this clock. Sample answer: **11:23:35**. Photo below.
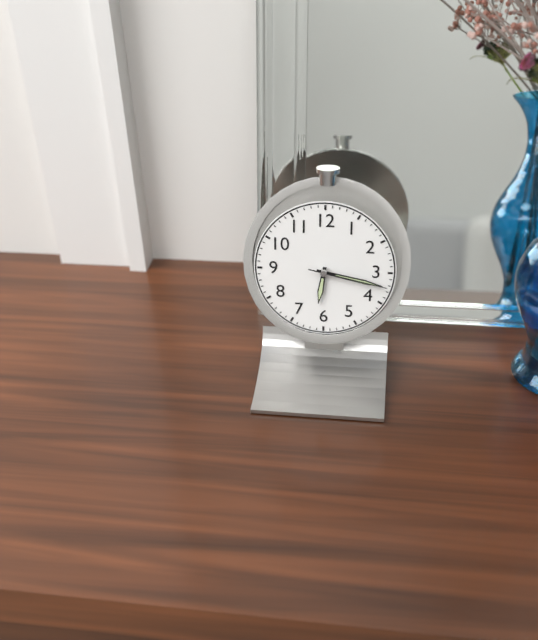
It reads **6:17:17**
